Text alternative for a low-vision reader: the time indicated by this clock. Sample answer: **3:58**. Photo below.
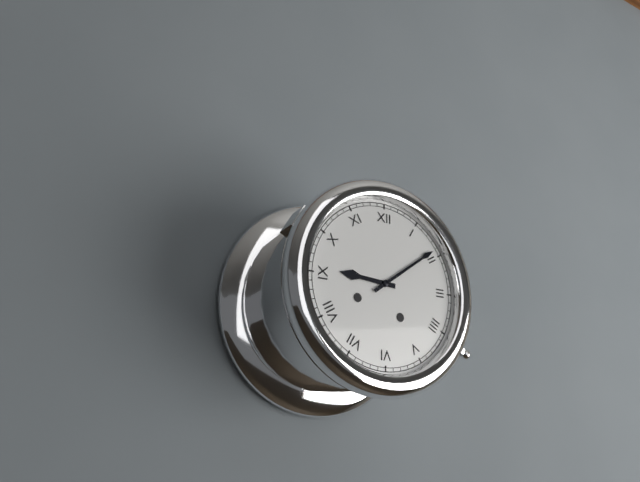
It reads **9:09**
